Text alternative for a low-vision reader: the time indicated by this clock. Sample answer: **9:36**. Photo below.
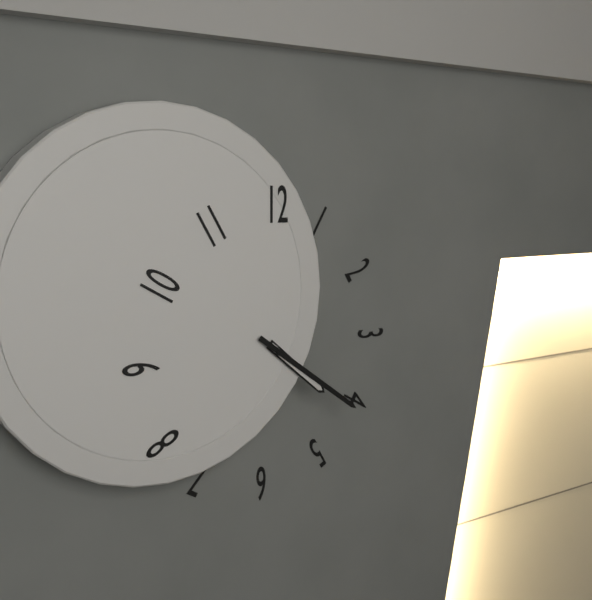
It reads **4:21**
